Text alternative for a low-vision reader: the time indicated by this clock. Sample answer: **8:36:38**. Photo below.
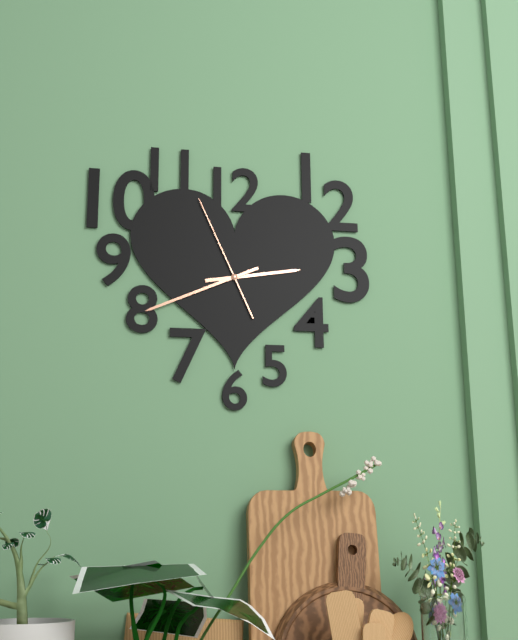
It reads **2:41:56**
